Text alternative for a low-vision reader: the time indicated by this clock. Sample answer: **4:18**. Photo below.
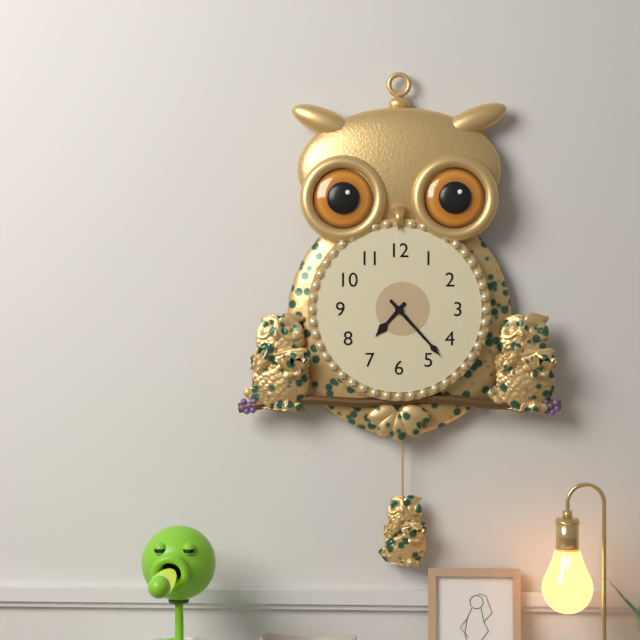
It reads **7:23**
